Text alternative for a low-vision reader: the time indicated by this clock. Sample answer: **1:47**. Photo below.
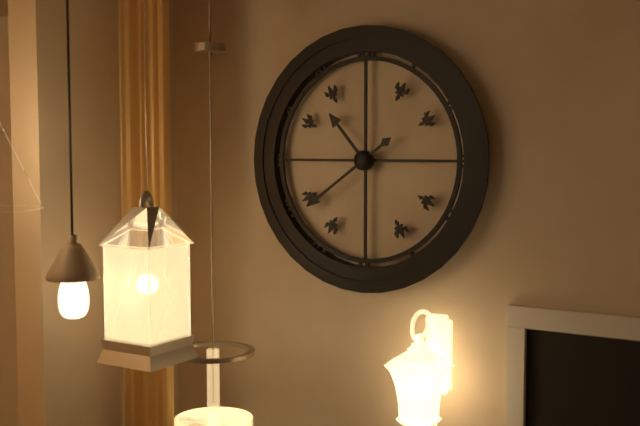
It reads **10:39**
